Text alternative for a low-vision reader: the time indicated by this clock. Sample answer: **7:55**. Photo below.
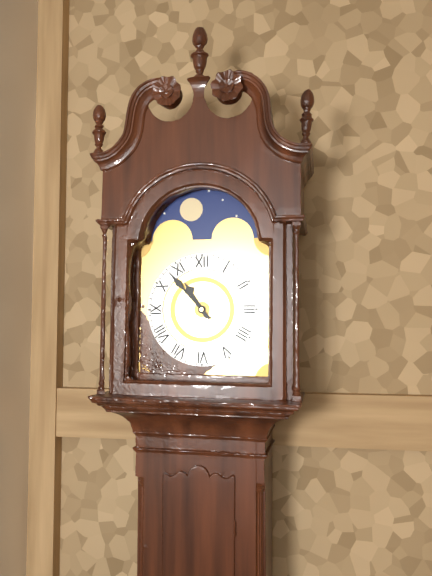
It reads **10:53**
